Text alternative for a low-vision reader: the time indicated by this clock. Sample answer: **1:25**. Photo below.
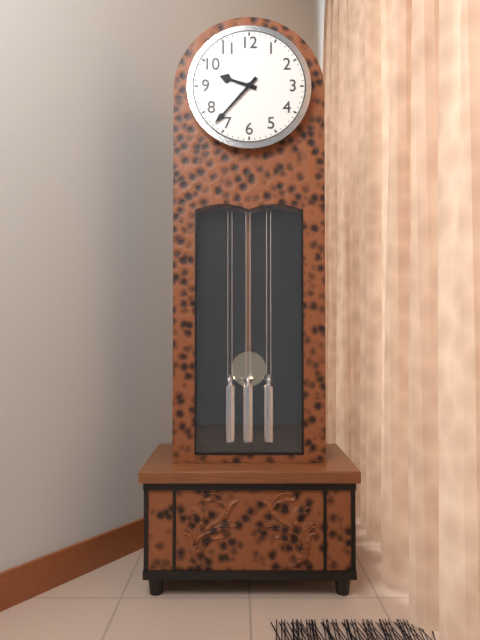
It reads **9:37**
